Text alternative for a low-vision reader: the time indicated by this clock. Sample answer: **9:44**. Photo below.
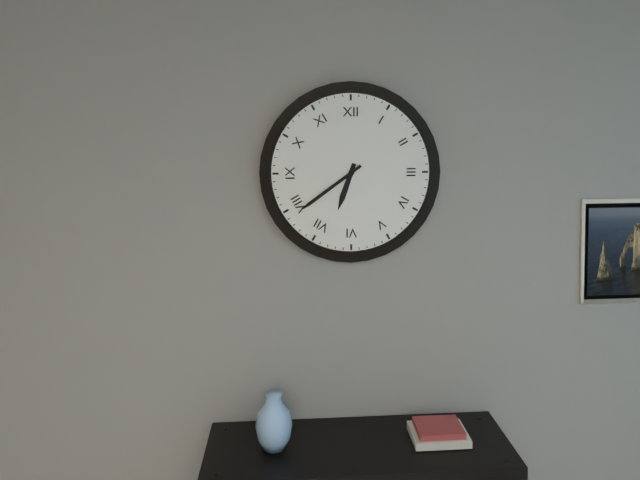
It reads **6:39**
